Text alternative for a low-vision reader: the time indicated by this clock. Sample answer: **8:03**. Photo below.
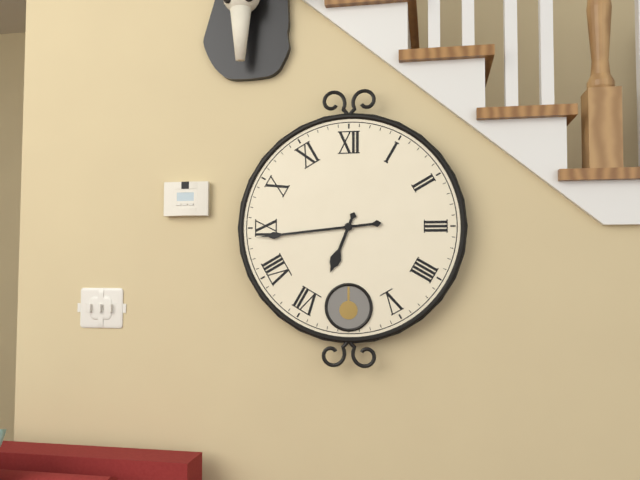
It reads **6:44**
